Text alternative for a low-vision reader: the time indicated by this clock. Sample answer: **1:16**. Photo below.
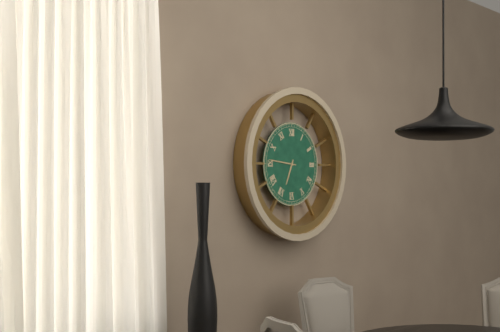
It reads **6:46**
